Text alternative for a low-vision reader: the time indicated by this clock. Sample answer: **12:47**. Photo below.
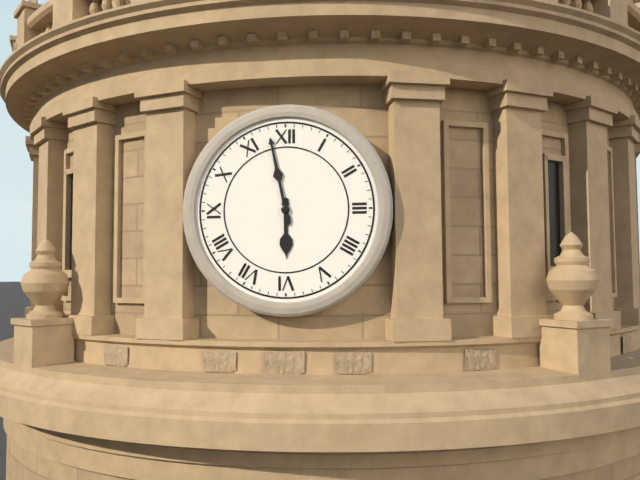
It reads **5:58**
